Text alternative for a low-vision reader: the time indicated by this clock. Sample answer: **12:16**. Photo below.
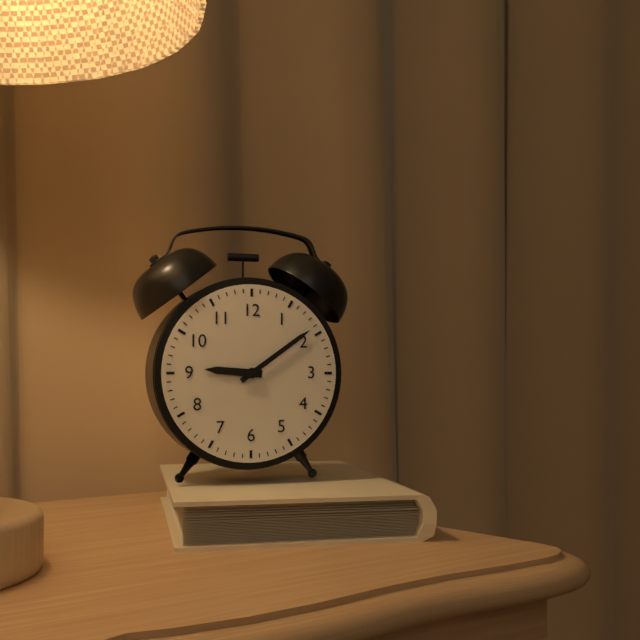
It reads **9:09**
